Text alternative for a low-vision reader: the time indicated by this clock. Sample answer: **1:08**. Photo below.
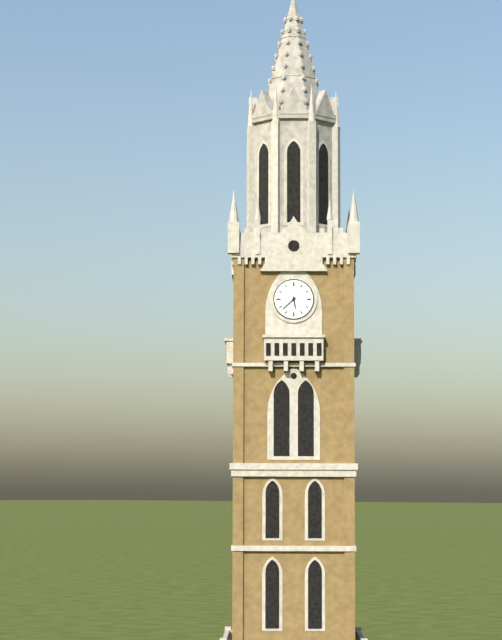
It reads **5:38**
